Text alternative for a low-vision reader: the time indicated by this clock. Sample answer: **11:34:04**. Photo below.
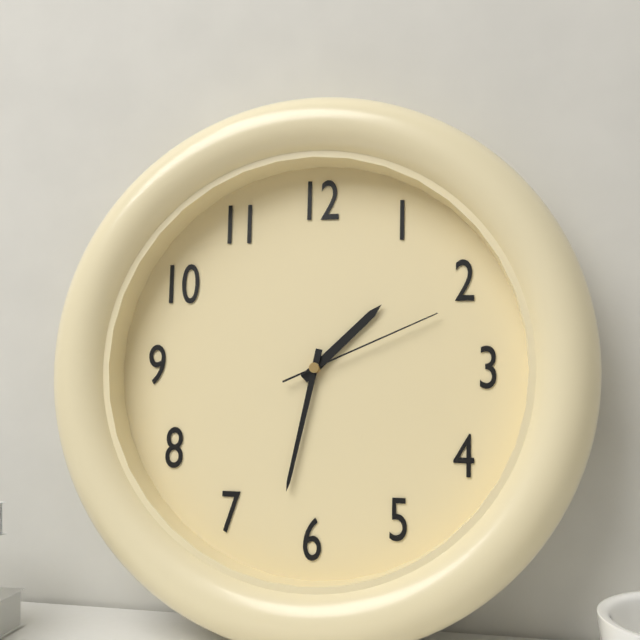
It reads **1:32:11**
